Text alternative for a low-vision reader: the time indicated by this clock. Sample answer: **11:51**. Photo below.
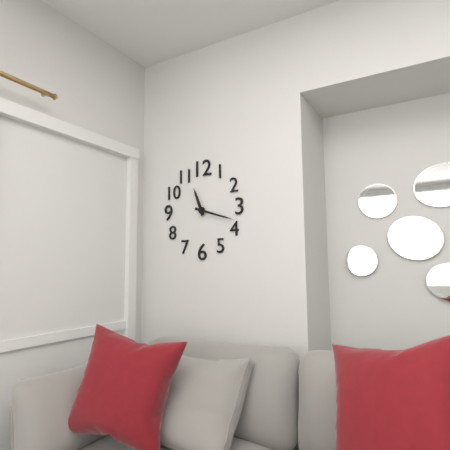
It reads **11:18**
